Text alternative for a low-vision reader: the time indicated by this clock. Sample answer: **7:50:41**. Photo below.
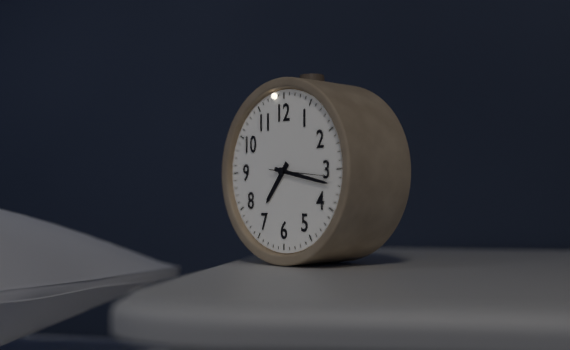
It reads **7:17:16**
